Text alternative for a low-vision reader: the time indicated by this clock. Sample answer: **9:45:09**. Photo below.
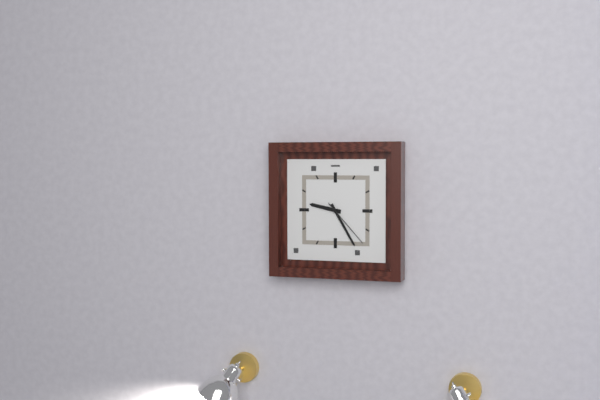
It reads **9:25:23**
